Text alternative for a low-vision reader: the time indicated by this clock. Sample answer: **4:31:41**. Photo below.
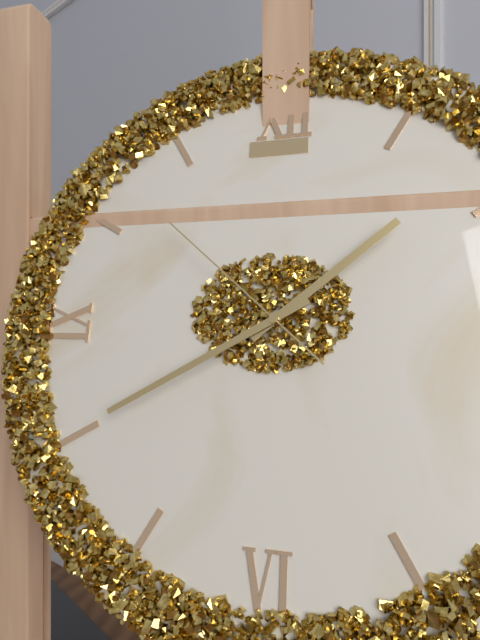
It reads **1:40:52**
